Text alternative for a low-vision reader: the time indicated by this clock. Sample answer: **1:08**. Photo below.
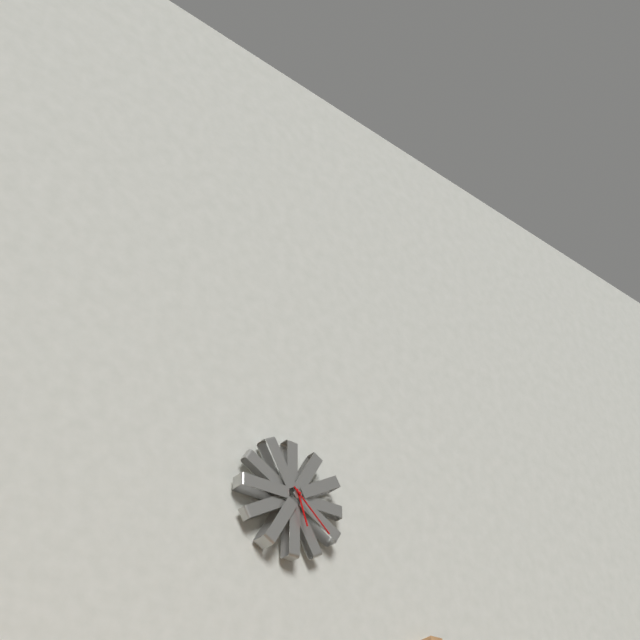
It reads **5:22**
